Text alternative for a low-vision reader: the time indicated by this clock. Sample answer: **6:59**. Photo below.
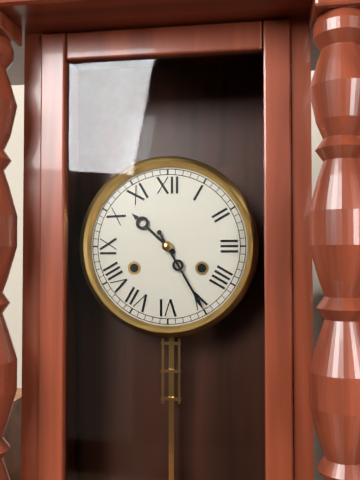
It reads **10:25**
